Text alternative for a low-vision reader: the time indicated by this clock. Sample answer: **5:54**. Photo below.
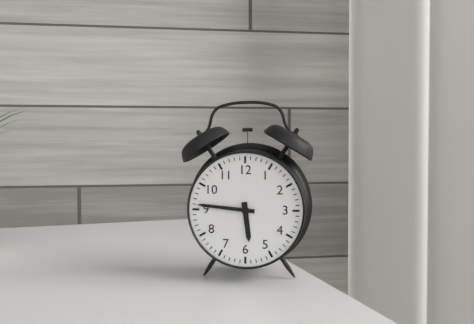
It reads **5:46**
